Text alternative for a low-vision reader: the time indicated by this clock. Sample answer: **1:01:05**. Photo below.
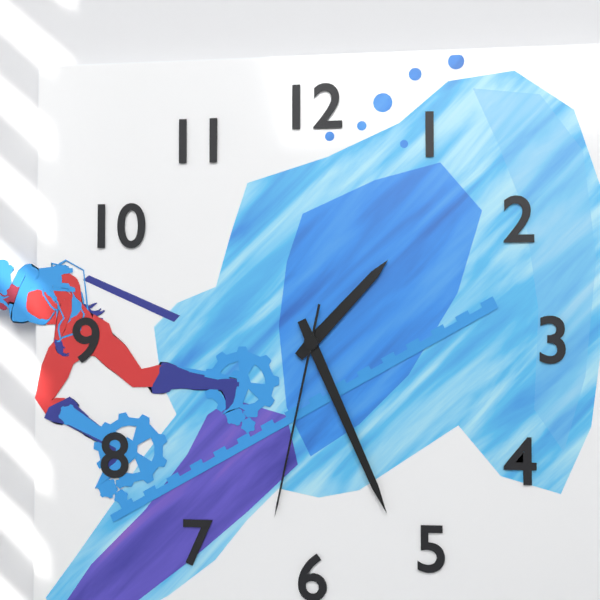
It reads **1:26:32**
